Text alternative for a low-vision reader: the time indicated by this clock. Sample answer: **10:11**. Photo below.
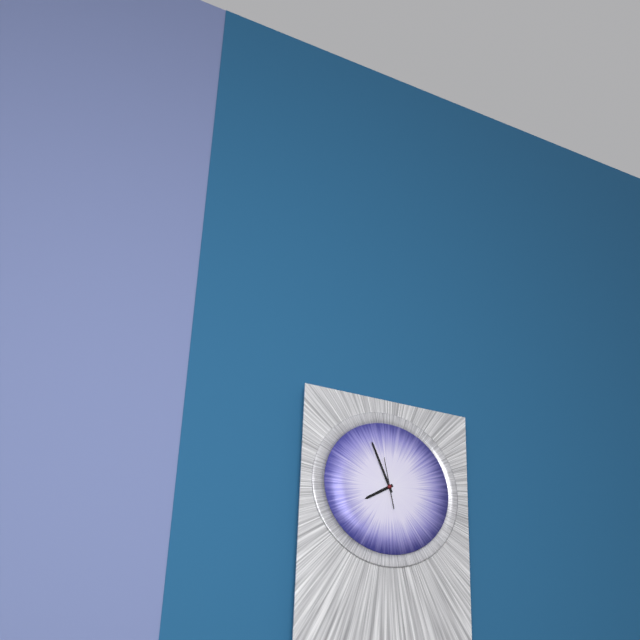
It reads **7:56**
